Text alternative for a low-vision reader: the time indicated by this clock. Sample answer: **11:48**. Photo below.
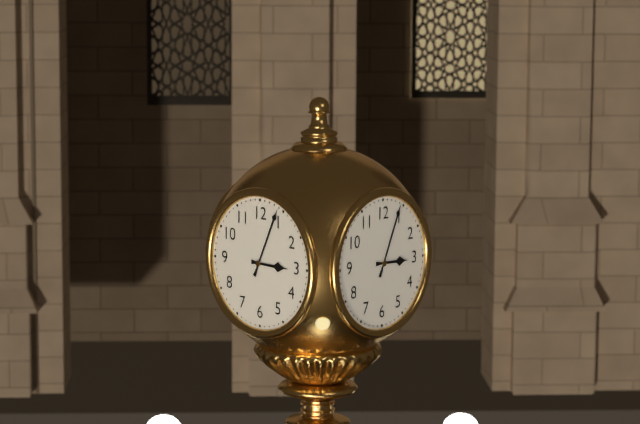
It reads **3:04**
